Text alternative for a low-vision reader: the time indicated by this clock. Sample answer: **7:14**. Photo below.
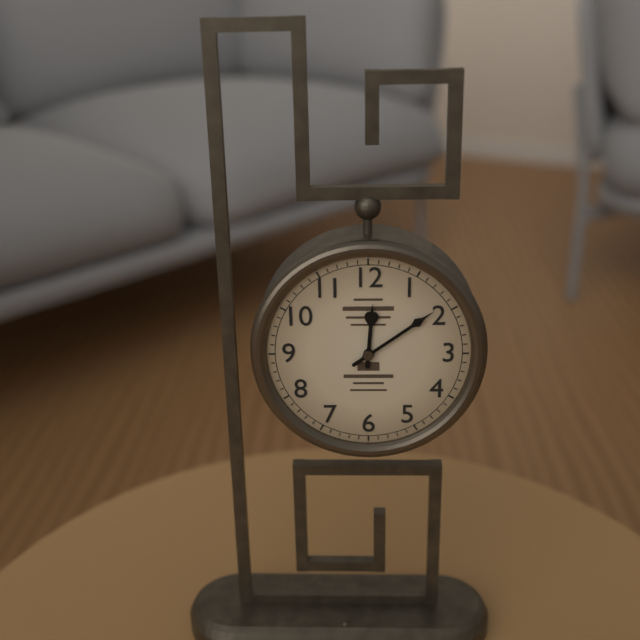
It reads **12:09**
